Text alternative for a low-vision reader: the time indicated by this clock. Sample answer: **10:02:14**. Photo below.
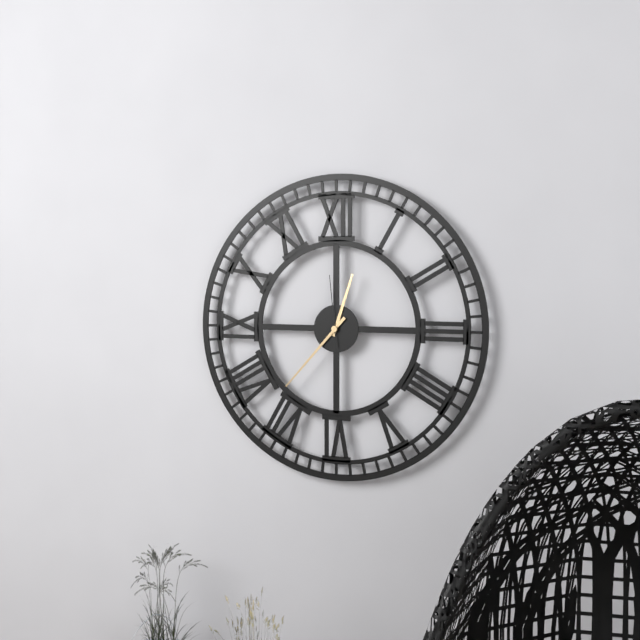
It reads **12:37:59**
